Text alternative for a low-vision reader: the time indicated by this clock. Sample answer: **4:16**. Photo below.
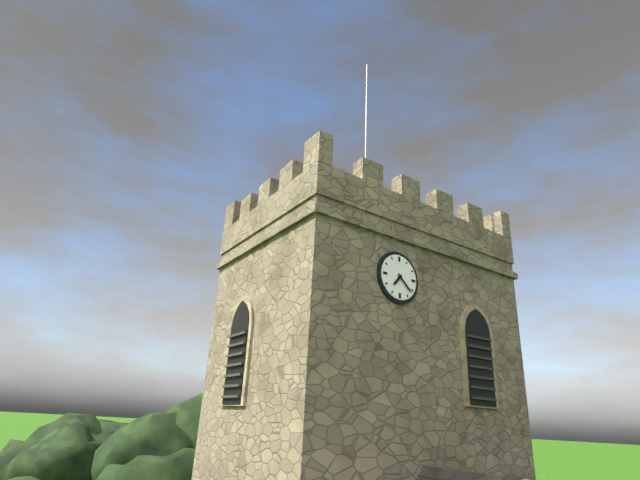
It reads **7:22**
